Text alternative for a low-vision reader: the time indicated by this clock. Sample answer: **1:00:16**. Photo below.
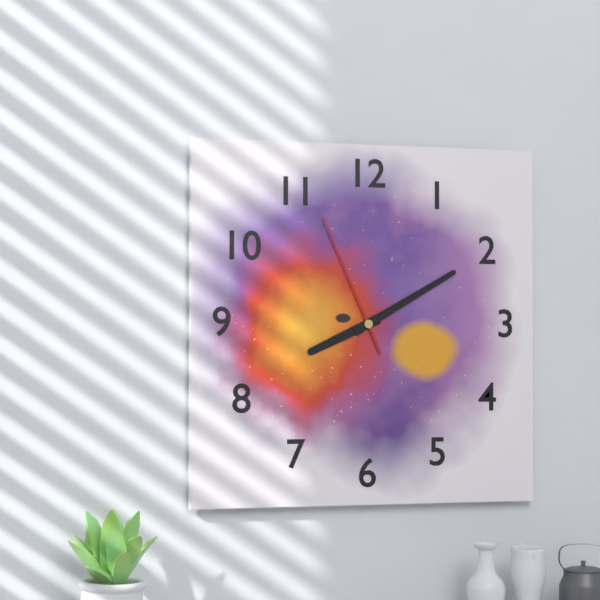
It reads **8:10:56**
